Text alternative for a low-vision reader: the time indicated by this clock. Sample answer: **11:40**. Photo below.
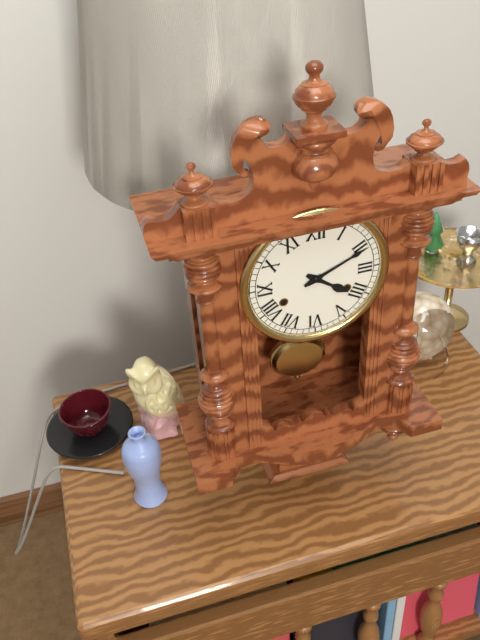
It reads **4:11**
